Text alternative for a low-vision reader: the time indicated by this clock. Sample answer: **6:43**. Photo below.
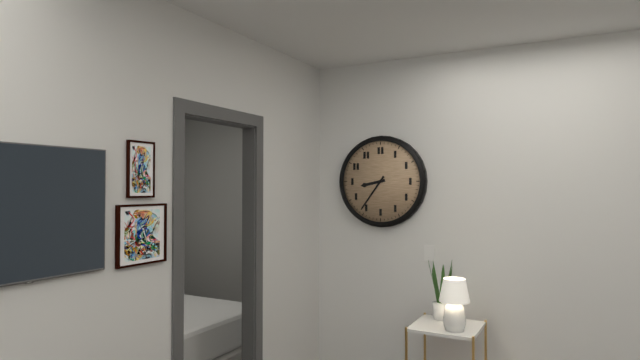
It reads **8:36**
